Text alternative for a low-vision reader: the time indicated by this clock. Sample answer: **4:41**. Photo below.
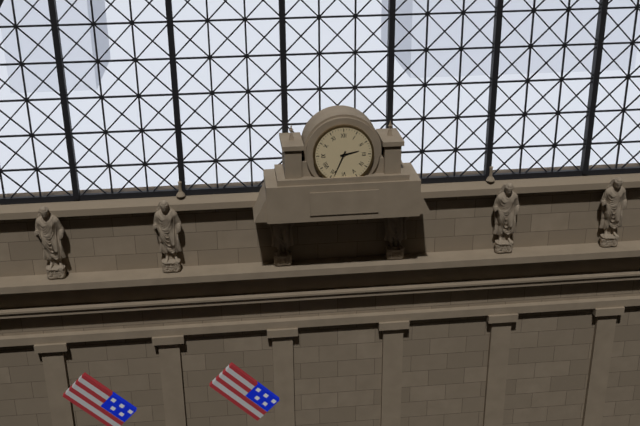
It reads **2:34**
